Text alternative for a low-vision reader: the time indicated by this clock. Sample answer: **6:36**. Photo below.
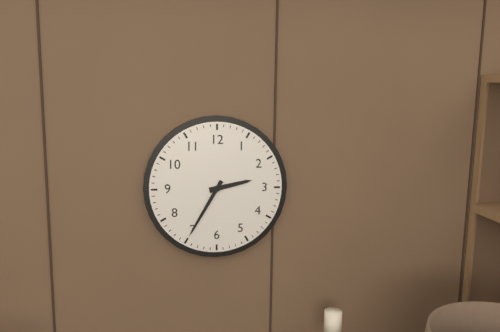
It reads **2:35**
